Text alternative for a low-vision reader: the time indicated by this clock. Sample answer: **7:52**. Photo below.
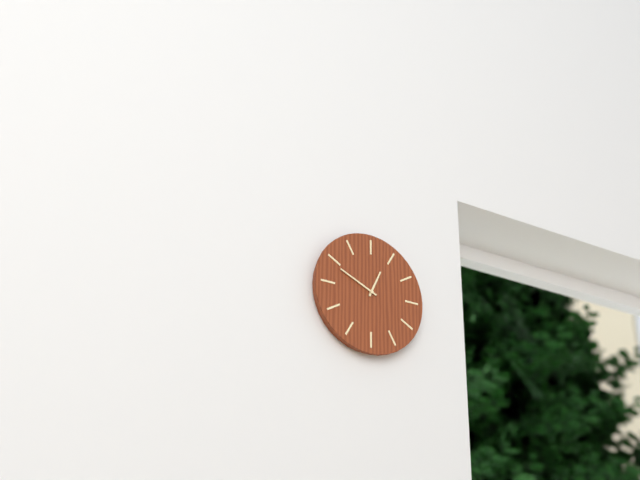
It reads **12:49**
